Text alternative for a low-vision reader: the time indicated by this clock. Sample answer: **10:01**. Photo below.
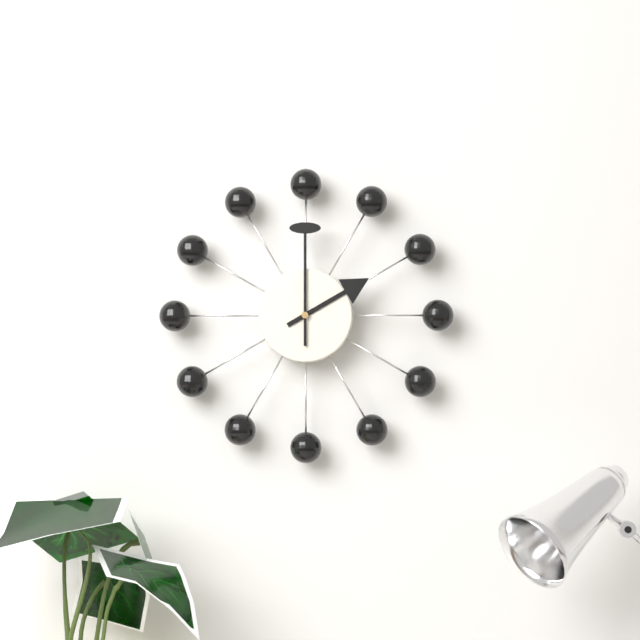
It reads **2:00**
